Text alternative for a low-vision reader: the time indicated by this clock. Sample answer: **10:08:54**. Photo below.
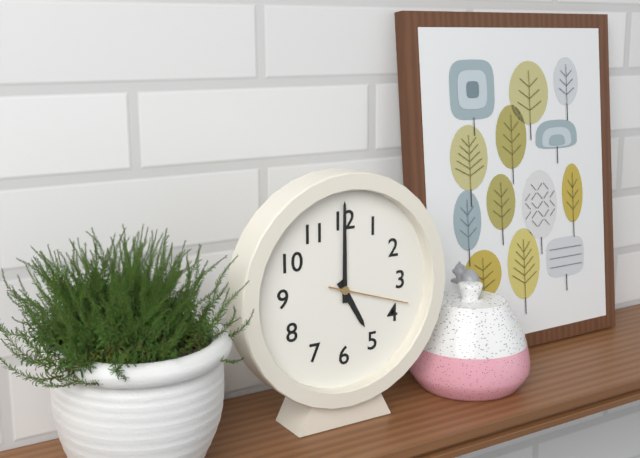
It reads **5:00:18**
